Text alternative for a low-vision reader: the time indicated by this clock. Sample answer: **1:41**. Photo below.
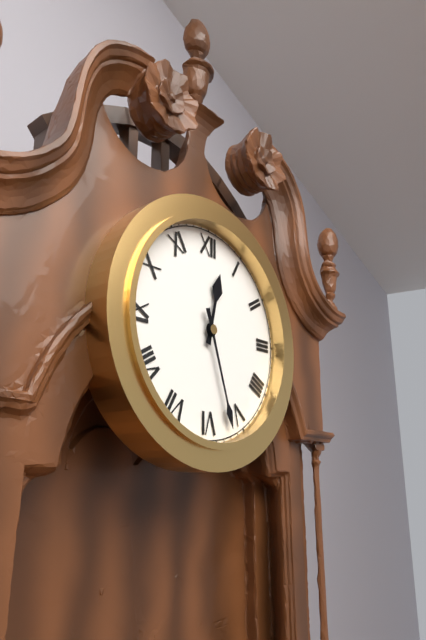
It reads **12:27**
